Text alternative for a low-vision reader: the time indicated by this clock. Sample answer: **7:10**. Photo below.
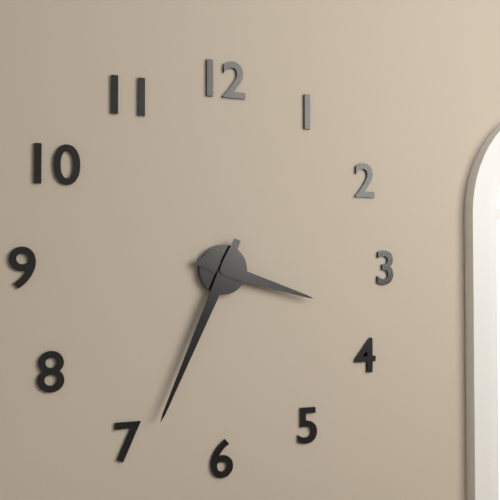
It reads **3:34**
